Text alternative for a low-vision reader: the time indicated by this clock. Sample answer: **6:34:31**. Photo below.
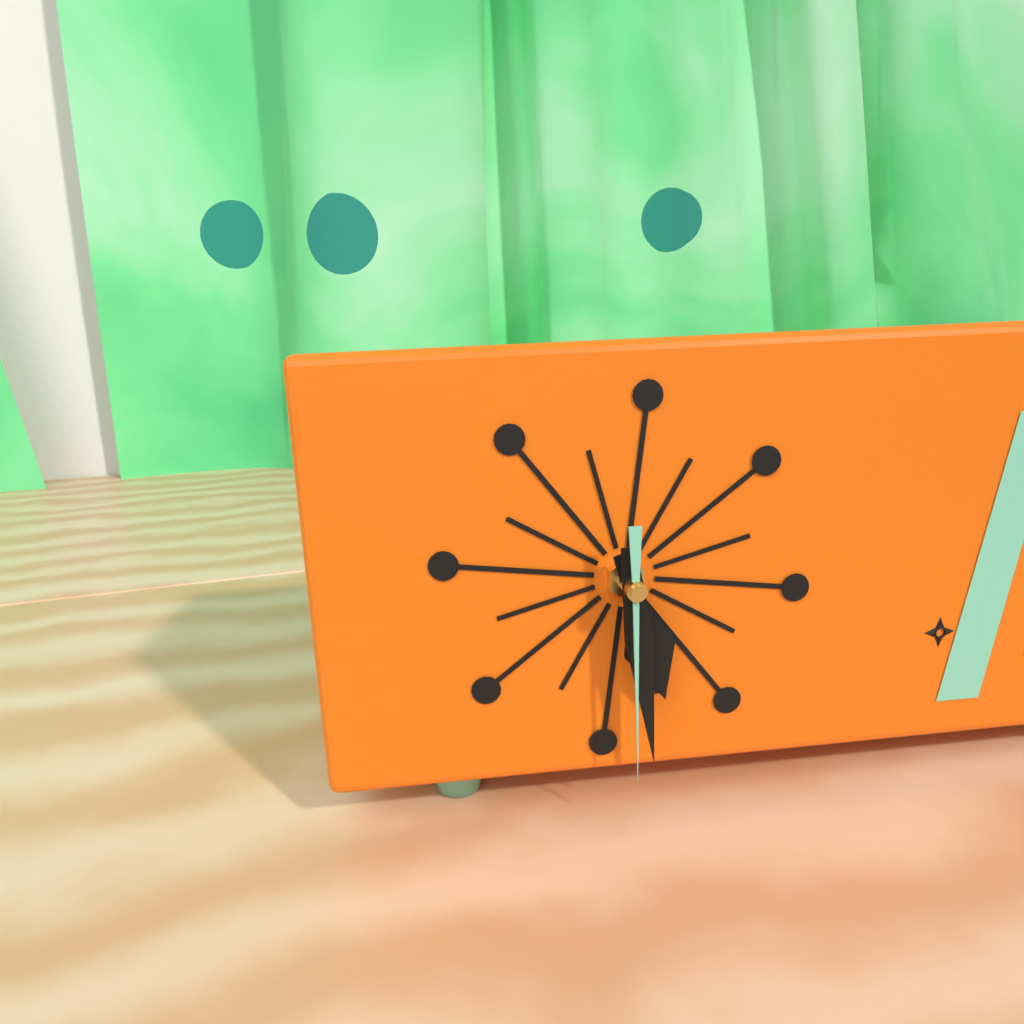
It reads **5:29:30**
